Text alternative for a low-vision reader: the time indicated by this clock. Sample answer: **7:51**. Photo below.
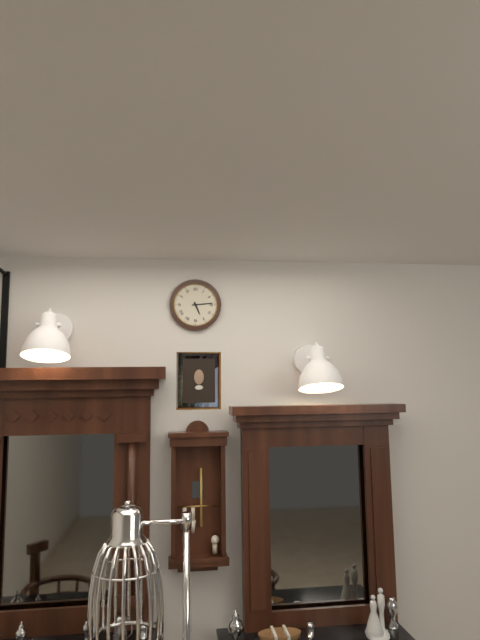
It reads **5:14**
